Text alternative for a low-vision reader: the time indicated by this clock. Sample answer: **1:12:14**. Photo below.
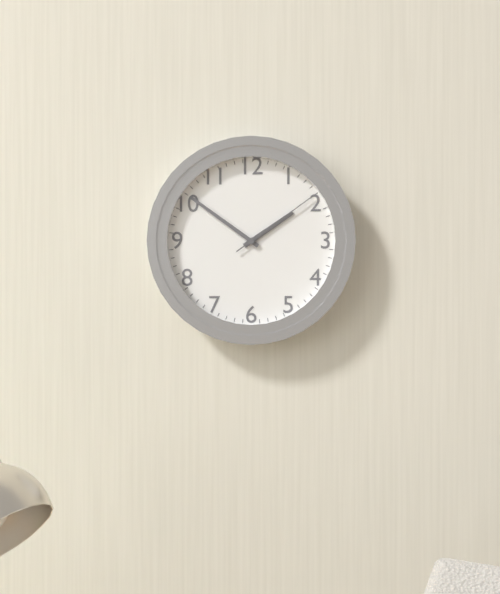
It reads **1:51:09**
